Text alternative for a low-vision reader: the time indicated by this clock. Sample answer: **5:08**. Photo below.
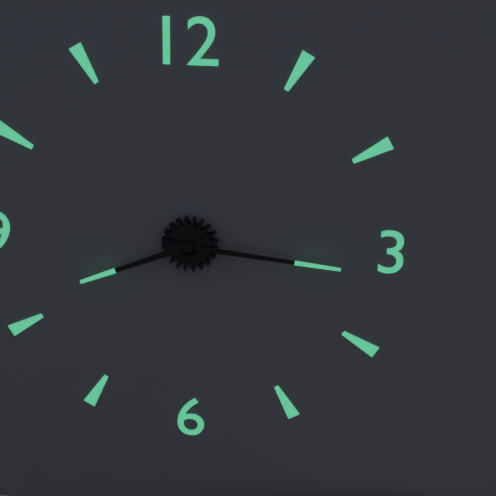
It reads **8:16**
